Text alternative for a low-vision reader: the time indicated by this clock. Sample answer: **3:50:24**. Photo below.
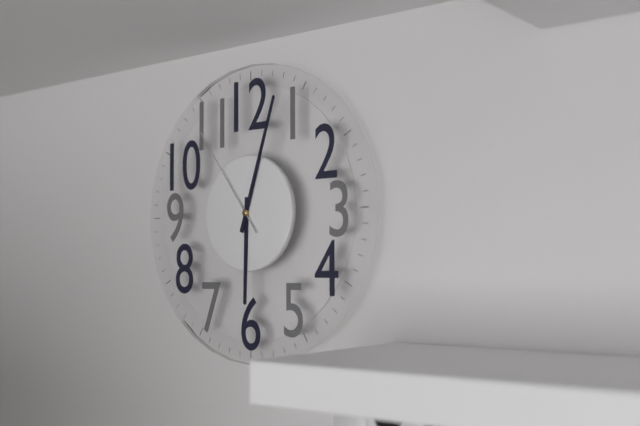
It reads **6:03:54**
